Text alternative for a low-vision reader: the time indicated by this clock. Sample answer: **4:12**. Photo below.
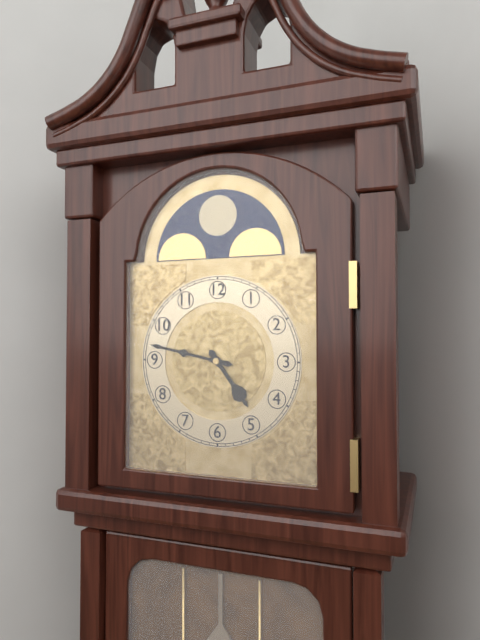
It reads **4:47**
